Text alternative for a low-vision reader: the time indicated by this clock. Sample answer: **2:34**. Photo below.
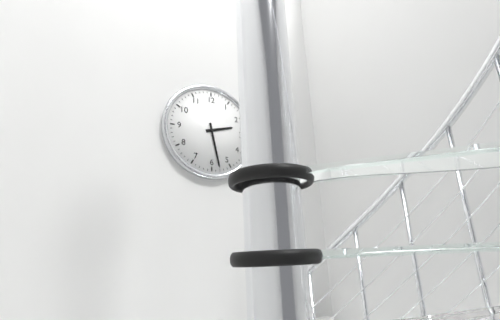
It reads **2:28**
